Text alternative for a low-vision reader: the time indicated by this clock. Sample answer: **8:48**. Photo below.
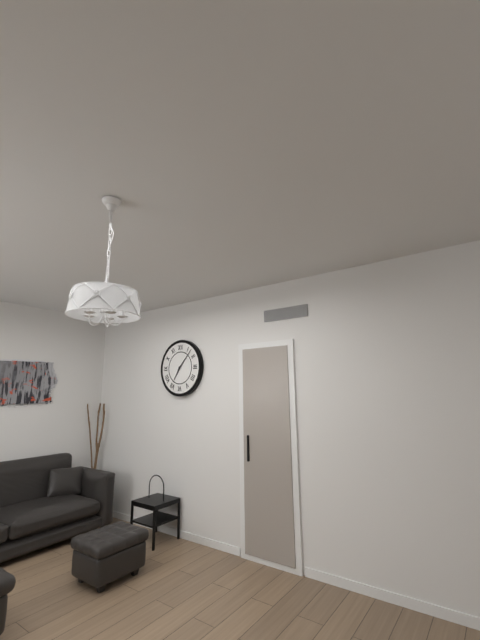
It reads **7:07**
